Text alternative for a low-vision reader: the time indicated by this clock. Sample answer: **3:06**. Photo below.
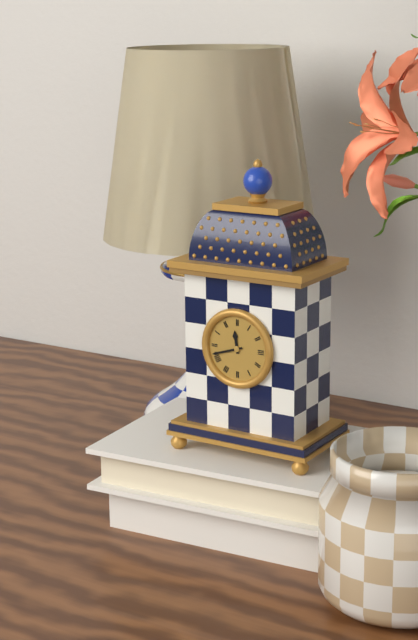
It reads **11:42**
